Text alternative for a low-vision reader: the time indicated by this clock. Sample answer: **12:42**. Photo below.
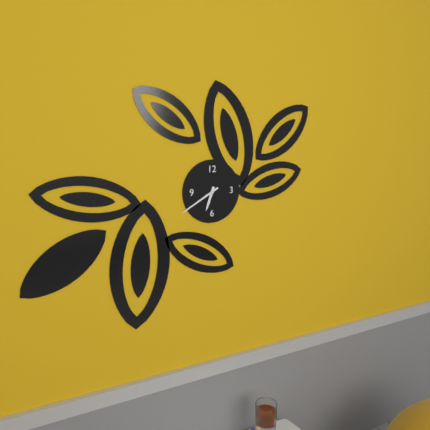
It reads **6:40**
